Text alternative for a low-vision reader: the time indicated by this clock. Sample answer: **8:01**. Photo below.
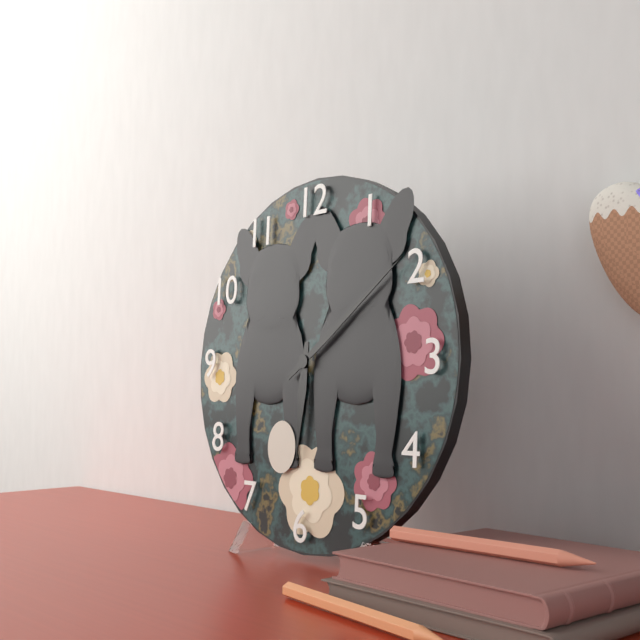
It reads **6:09**
